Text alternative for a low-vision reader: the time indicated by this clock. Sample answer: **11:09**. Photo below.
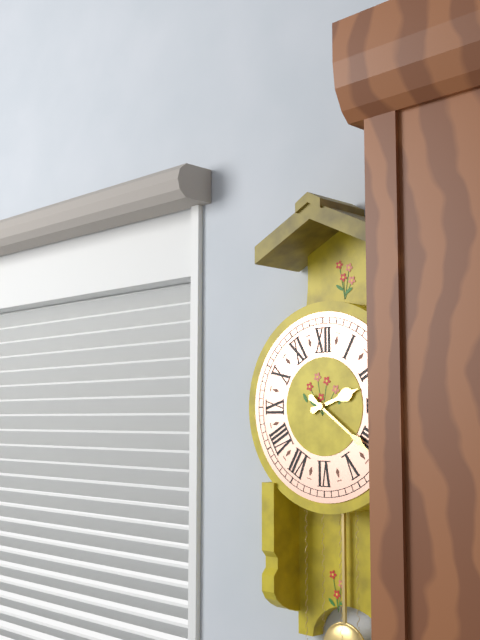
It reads **2:21**
